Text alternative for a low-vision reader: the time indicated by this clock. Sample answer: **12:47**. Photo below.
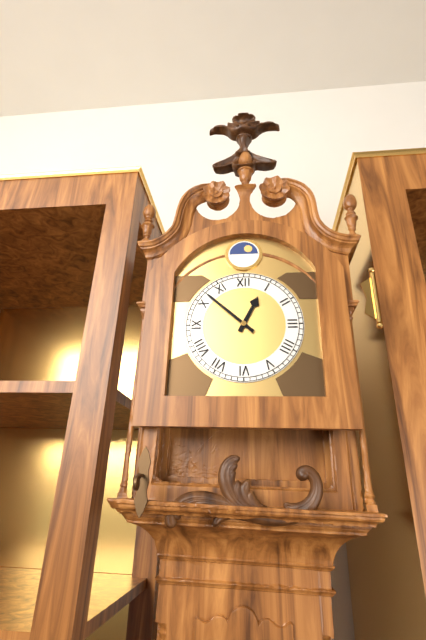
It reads **12:52**
